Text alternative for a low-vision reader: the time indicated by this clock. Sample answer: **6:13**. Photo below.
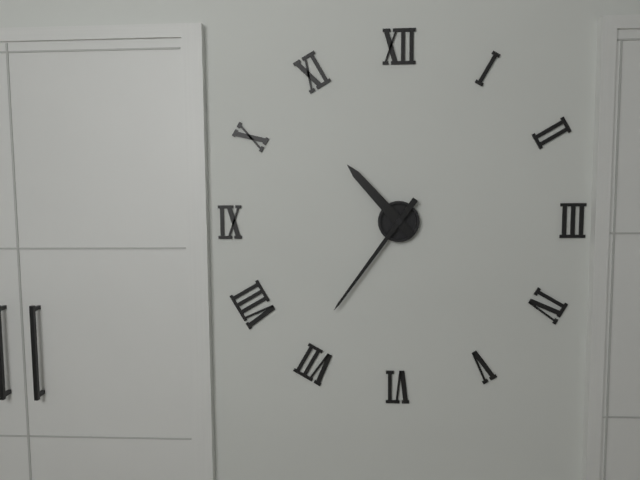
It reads **10:36**
